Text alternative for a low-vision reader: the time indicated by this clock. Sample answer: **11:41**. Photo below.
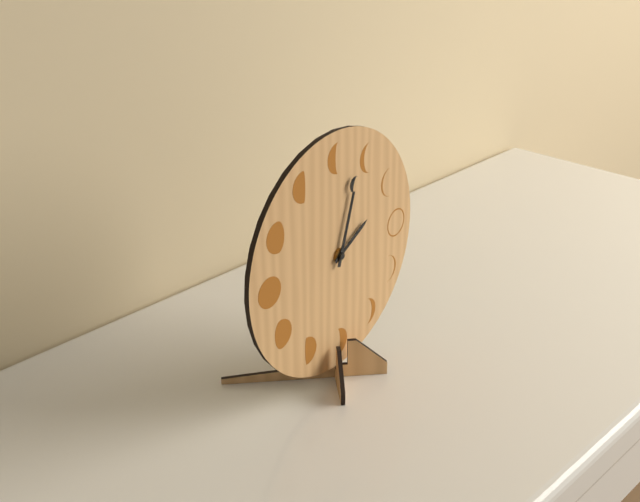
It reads **2:03**
